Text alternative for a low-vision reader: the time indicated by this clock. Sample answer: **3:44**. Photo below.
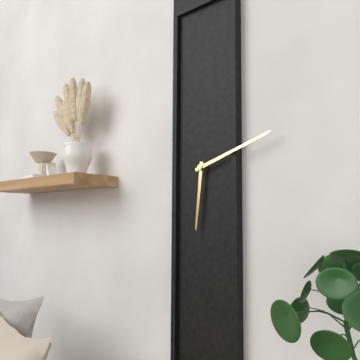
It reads **6:12**
